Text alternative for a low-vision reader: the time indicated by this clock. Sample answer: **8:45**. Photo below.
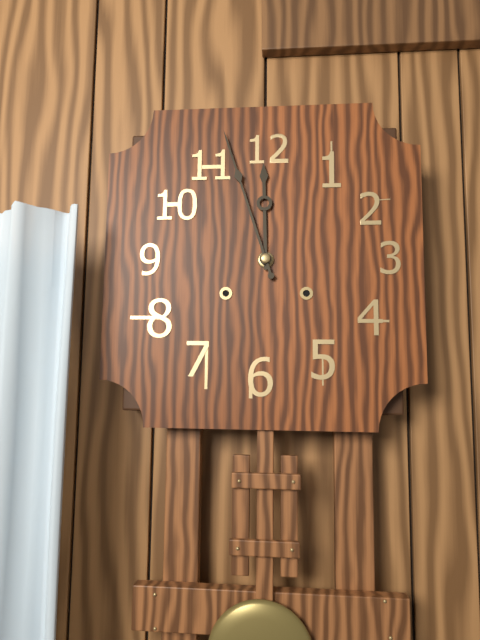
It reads **11:57**
